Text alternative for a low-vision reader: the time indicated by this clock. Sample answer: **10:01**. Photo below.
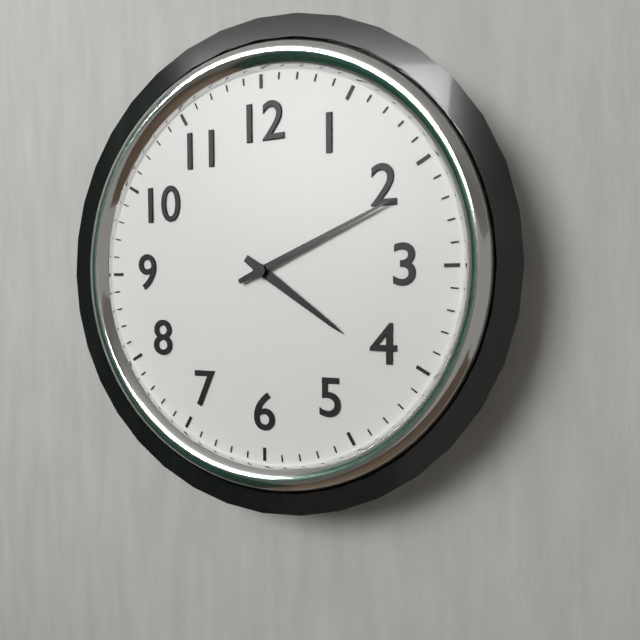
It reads **4:11**
